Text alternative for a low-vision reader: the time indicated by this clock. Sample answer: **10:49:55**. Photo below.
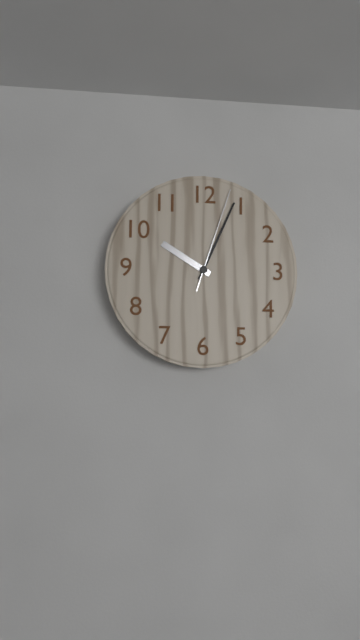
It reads **10:04:03**
